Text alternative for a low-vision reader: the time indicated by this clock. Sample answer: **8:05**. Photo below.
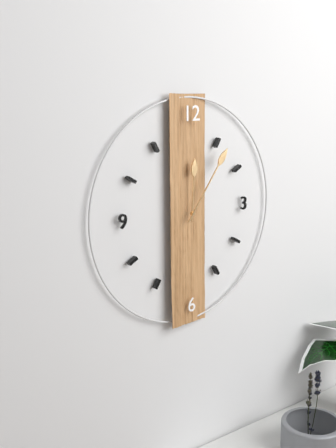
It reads **12:06**
